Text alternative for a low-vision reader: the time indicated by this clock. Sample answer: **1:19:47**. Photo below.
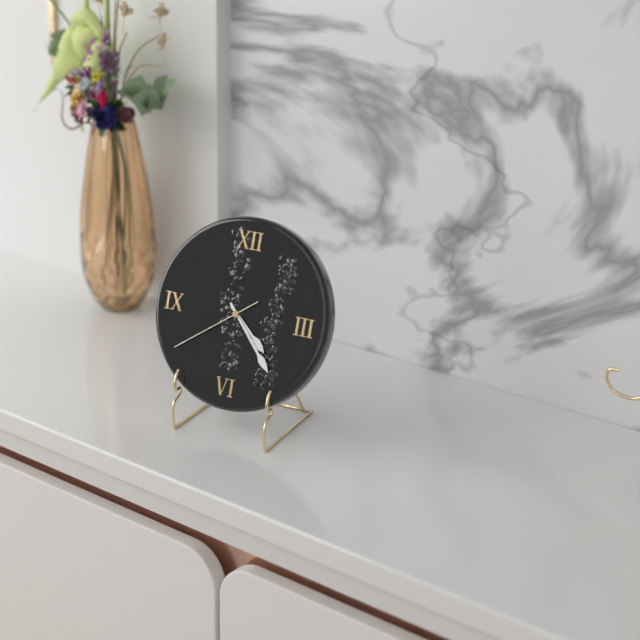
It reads **4:23:39**
